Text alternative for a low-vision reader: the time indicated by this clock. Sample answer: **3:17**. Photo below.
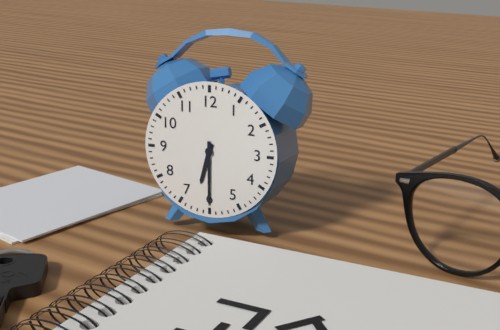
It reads **6:30**
